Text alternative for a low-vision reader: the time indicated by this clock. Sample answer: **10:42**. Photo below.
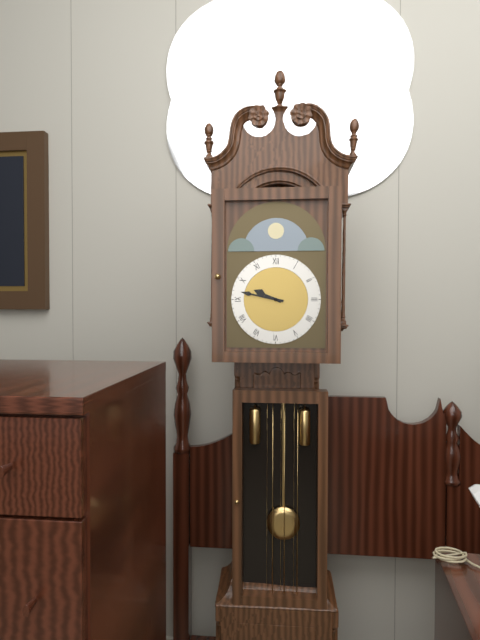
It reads **9:47**
